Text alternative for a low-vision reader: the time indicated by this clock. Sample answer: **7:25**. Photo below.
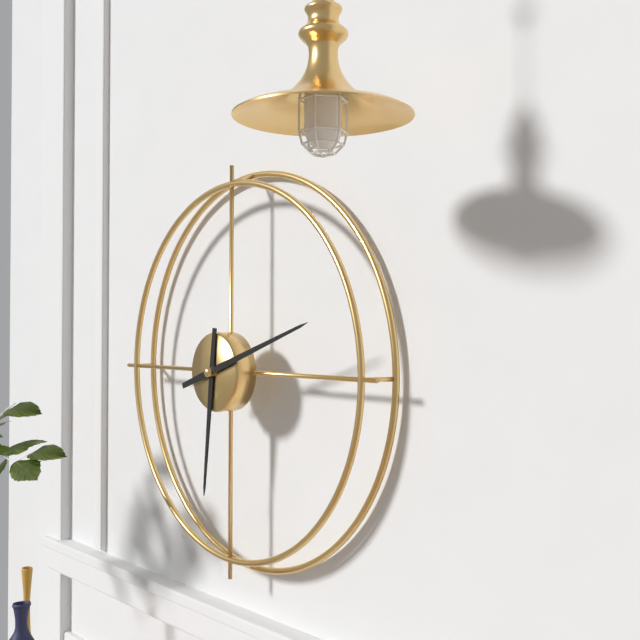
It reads **6:12**
